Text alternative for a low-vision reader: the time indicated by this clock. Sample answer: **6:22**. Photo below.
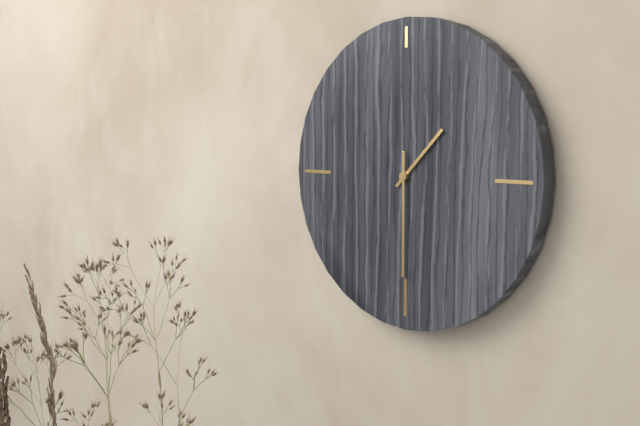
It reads **1:30**
